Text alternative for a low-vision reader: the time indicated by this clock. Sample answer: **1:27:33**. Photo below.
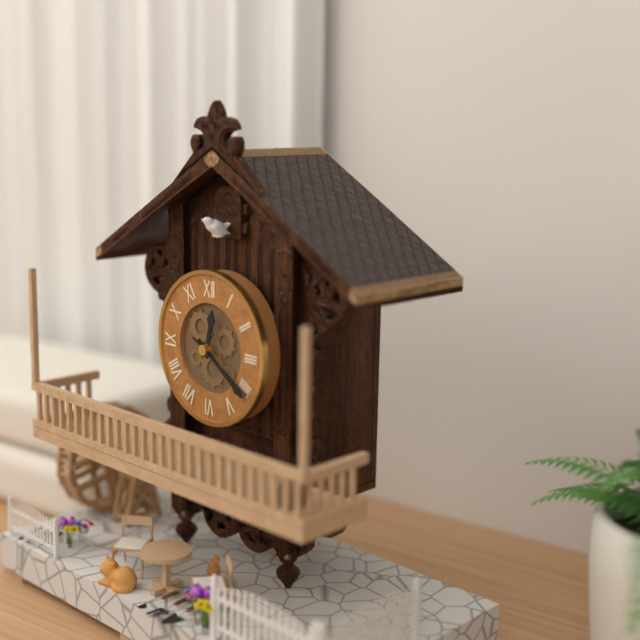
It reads **12:21:20**
